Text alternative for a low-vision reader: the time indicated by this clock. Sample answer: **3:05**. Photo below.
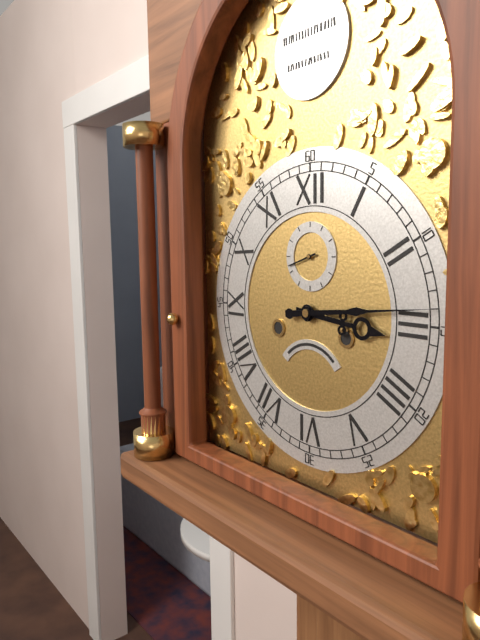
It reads **3:14**
